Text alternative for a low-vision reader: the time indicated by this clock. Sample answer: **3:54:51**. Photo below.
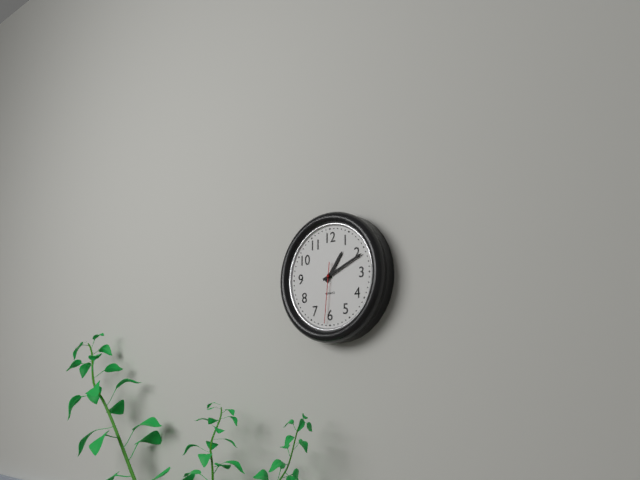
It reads **1:11:31**
